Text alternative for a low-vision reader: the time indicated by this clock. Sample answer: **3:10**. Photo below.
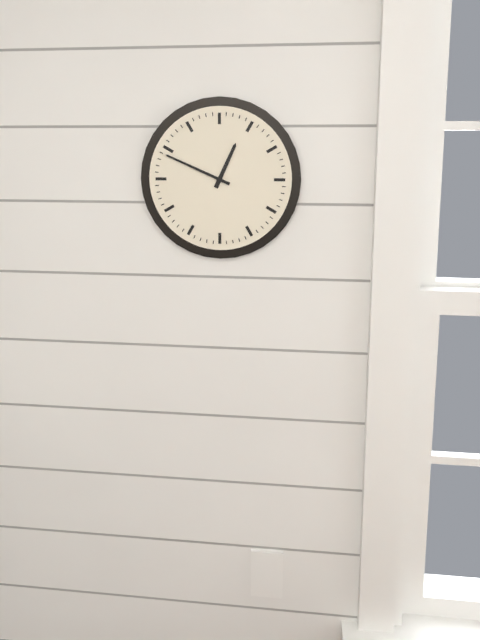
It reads **12:49**
